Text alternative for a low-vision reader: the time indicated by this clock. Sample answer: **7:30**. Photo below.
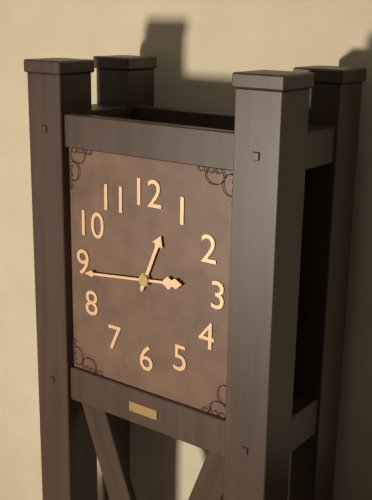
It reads **12:44**
